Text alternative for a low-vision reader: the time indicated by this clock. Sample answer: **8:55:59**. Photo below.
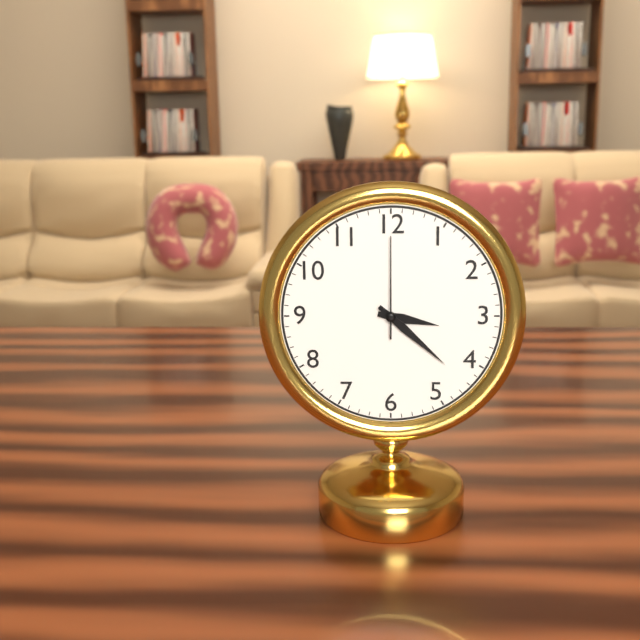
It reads **3:22:00**
